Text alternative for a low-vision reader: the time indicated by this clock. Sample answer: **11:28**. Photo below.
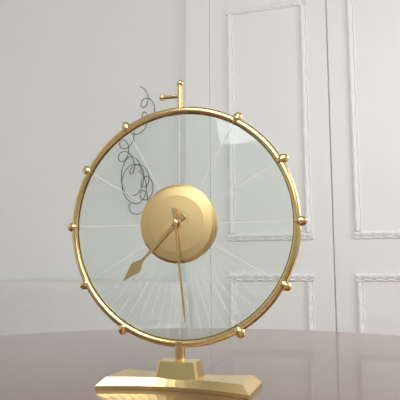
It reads **7:29**
